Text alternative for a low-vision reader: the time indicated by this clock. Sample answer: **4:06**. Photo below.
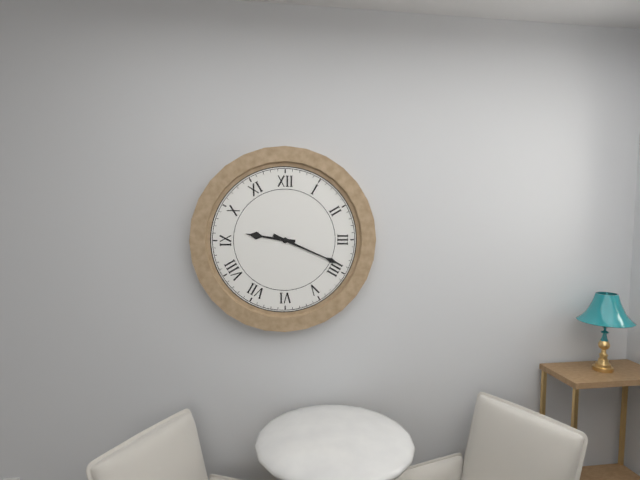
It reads **9:19**
